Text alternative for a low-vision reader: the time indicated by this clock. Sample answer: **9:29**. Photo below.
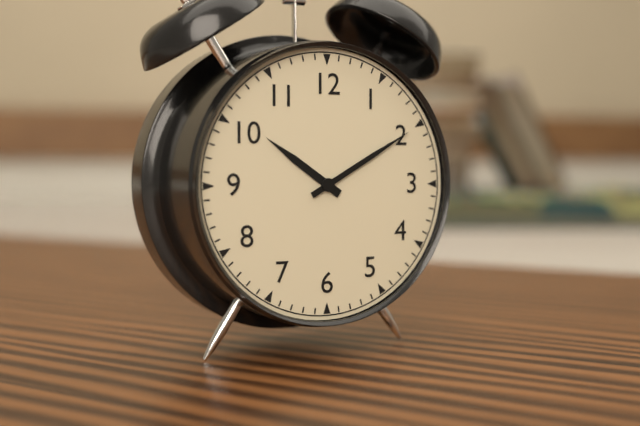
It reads **10:10**
